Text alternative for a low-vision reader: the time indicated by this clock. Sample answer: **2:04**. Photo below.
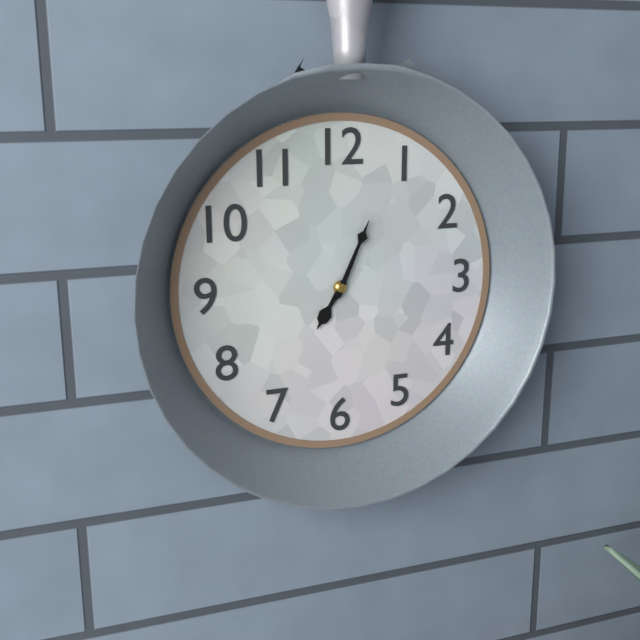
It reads **7:04**
